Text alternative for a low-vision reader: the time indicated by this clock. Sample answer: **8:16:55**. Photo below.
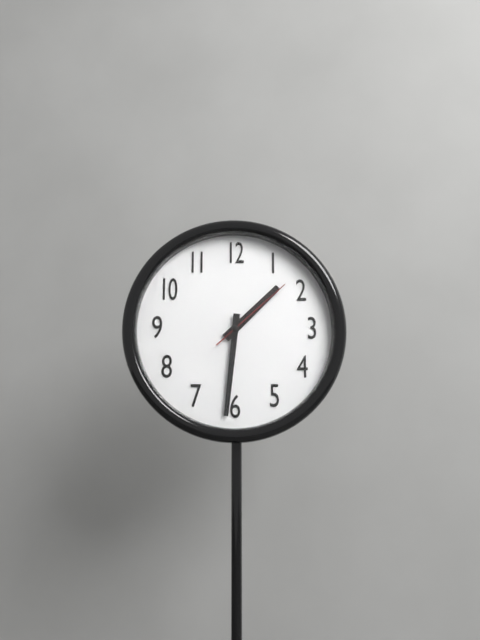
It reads **1:31:08**
